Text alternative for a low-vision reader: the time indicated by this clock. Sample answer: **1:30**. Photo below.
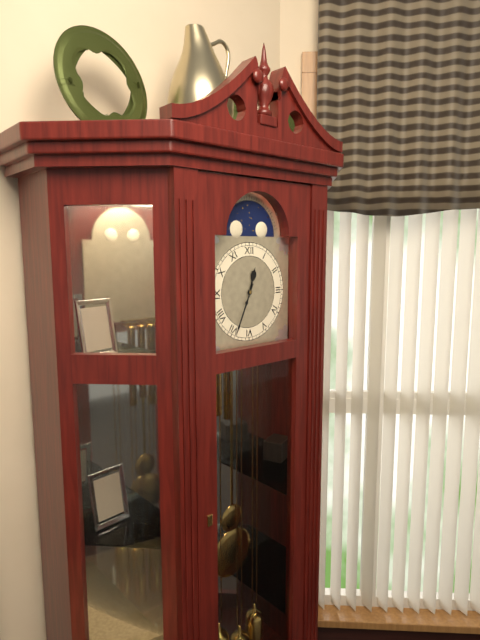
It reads **12:34**
